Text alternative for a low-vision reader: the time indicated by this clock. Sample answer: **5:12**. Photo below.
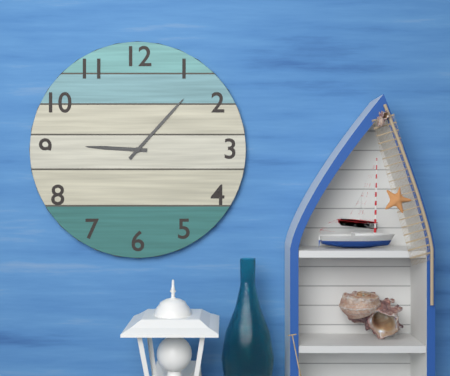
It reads **9:07**
